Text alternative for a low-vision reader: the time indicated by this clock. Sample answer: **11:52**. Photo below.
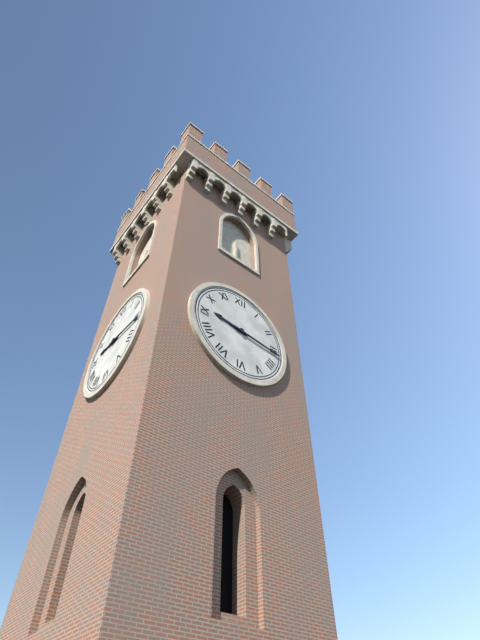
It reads **9:16**
